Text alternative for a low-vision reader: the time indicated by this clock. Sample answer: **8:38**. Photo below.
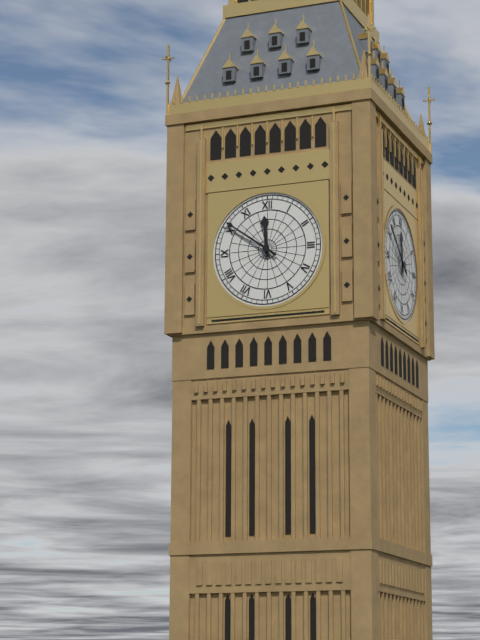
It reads **11:51**
